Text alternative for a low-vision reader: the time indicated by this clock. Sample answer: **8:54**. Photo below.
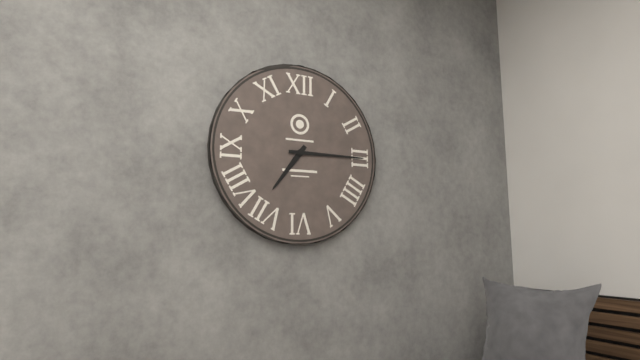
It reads **7:15**
